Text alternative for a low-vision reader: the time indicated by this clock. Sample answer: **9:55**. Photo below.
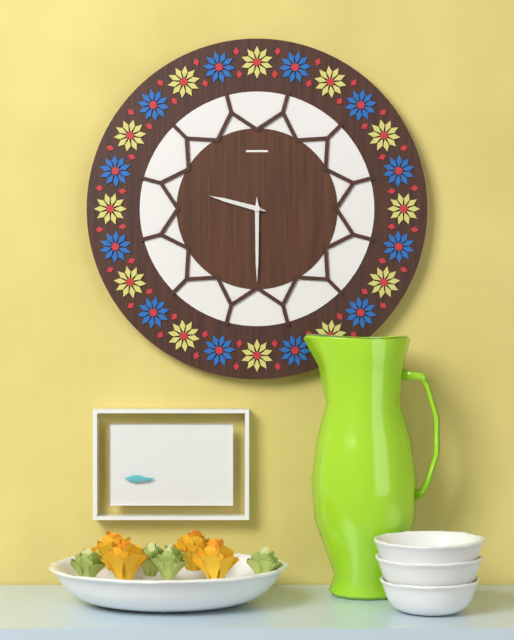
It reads **9:30**
